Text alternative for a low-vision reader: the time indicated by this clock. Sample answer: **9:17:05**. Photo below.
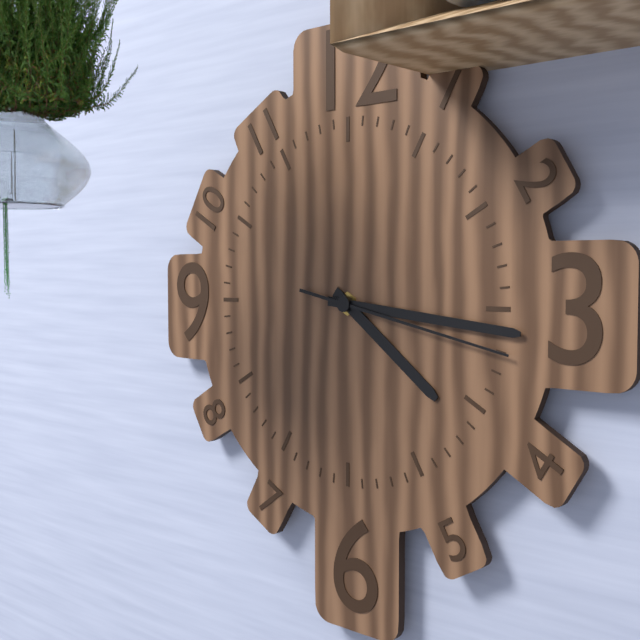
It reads **4:16:17**
